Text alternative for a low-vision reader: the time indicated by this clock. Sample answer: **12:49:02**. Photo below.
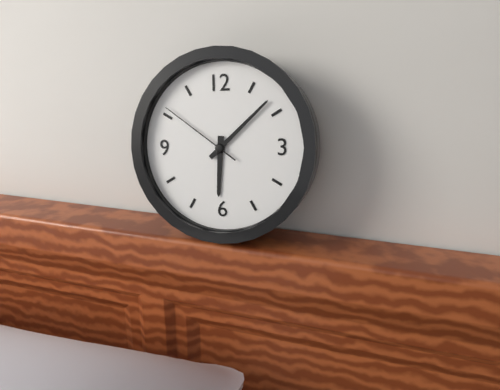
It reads **6:08:51**
